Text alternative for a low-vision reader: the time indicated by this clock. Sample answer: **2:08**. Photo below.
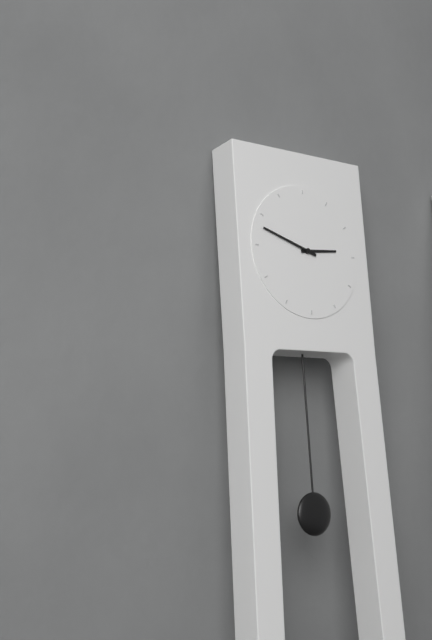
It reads **2:48**
